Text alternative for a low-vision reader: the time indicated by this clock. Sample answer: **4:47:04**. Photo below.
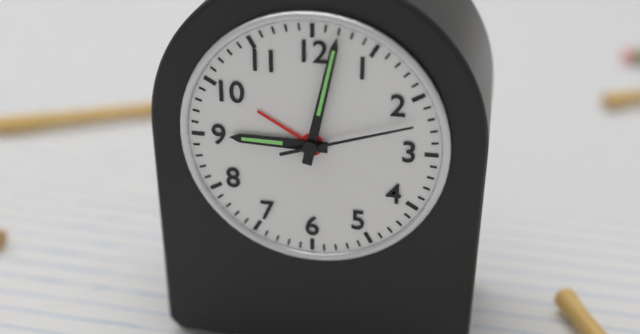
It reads **9:02:12**
